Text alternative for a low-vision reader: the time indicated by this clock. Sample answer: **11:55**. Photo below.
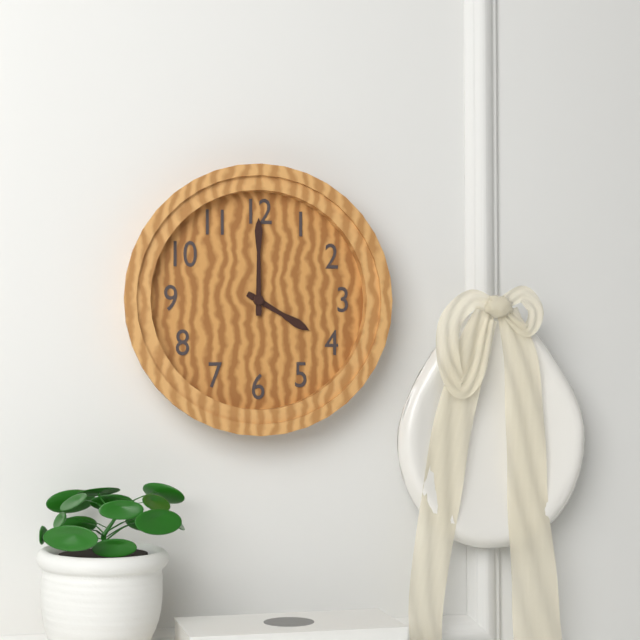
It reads **4:00**
